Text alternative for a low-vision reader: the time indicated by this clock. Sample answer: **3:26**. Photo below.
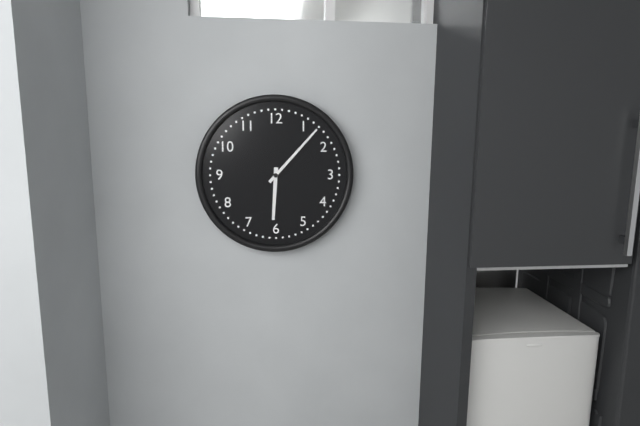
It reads **6:07**
